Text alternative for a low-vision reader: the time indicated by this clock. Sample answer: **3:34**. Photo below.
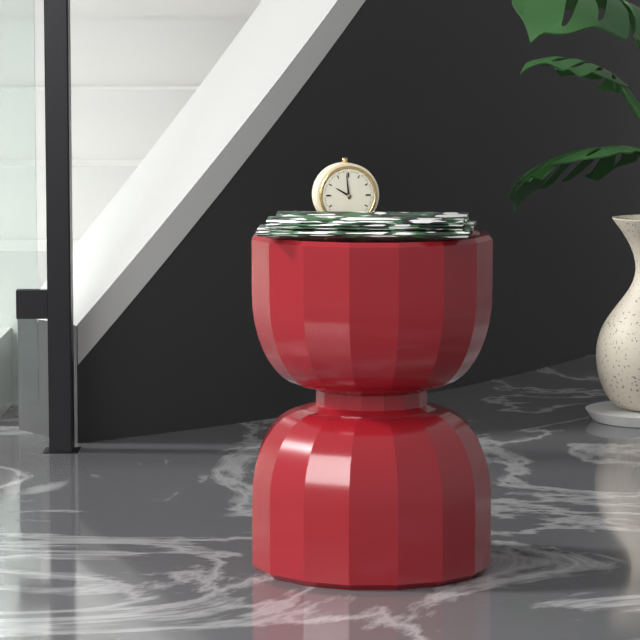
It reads **9:59**
